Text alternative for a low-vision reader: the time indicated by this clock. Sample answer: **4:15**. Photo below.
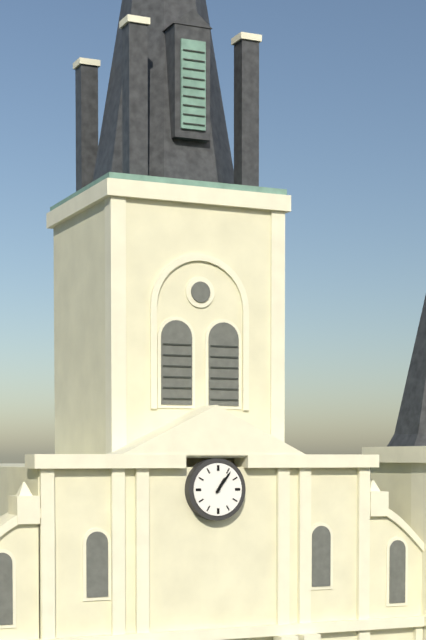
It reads **1:06**
